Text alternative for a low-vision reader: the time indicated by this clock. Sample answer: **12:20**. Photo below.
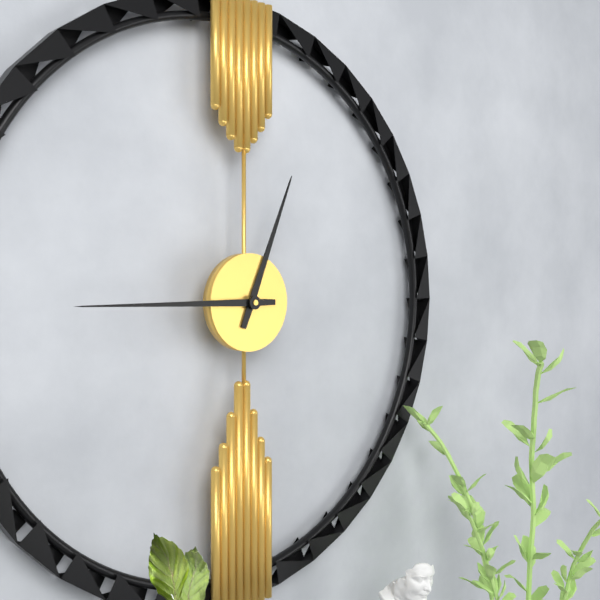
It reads **12:45**
